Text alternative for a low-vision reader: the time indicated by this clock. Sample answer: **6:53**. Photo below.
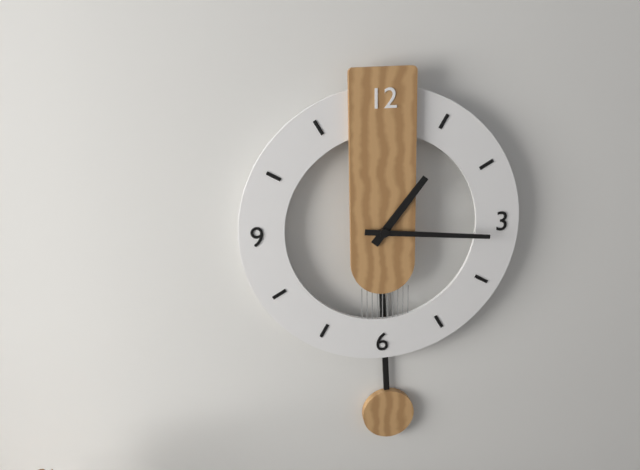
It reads **1:16**
